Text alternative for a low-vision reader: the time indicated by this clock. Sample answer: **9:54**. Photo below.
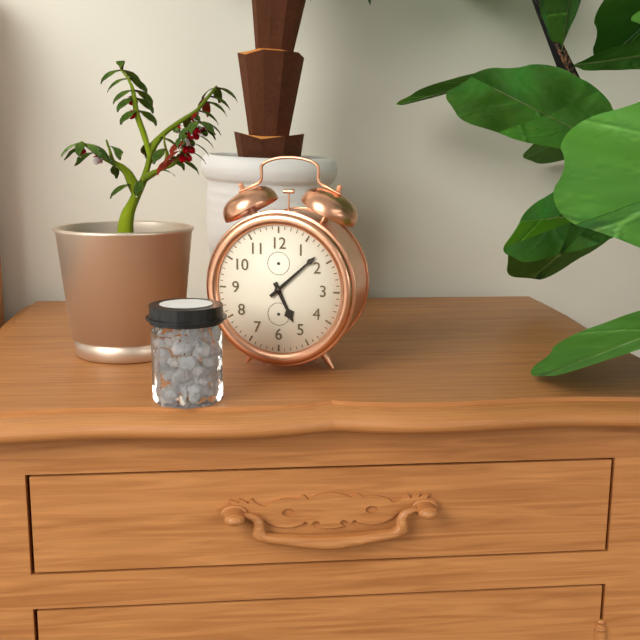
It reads **5:08**
